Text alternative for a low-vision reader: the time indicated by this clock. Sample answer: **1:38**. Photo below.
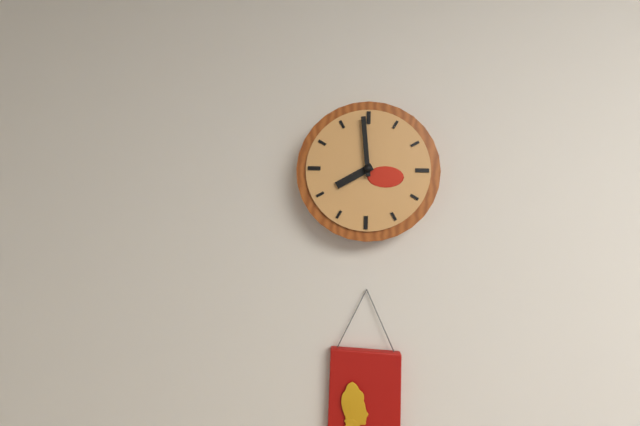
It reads **7:59**
